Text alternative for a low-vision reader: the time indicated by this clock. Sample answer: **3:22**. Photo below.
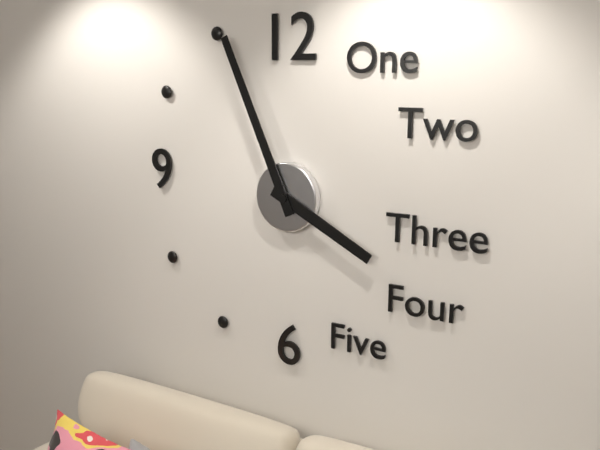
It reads **3:56**
